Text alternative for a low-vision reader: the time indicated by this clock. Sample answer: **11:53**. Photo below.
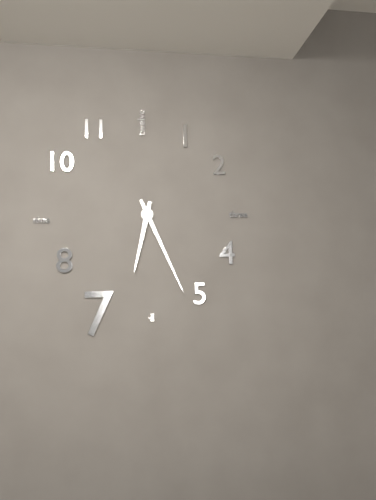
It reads **6:26**
